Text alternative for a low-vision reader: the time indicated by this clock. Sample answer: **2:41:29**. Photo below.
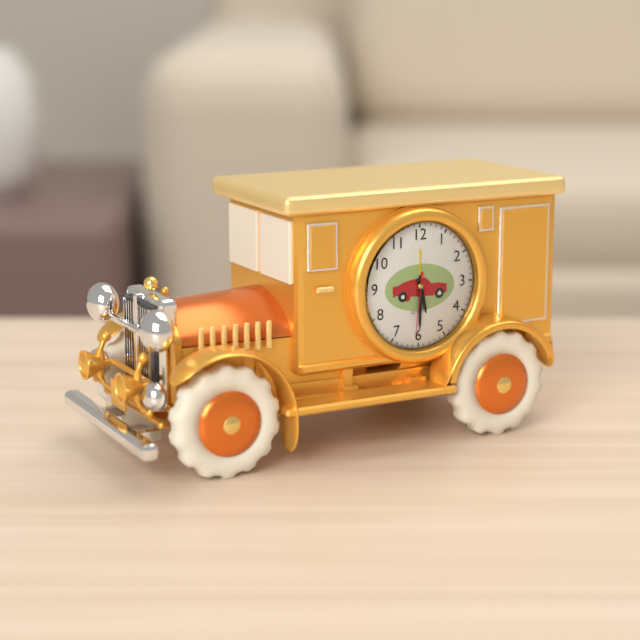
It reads **5:30:31**
